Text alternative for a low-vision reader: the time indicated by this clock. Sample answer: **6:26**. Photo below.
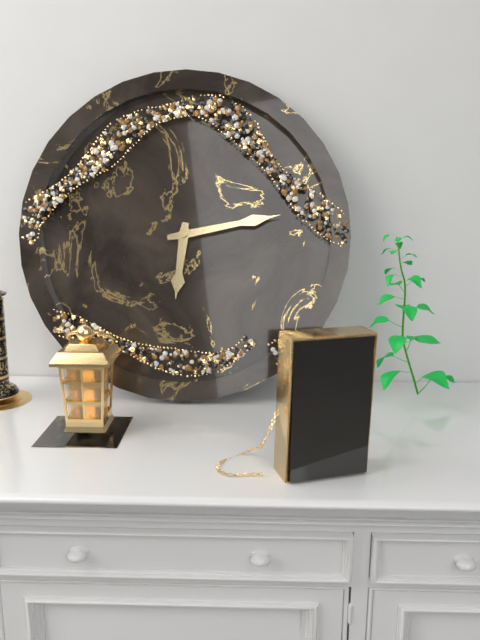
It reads **6:13**
